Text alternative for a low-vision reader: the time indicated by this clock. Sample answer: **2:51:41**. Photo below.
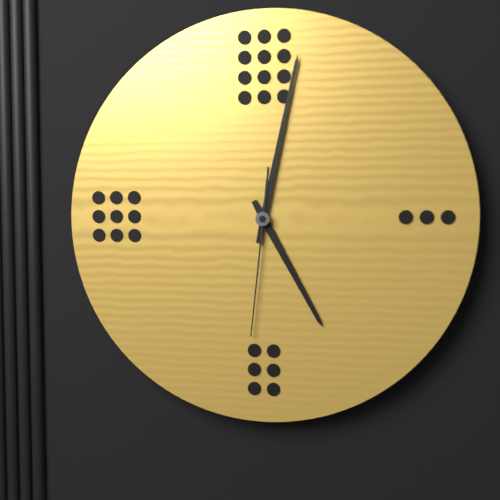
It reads **5:02:31**
